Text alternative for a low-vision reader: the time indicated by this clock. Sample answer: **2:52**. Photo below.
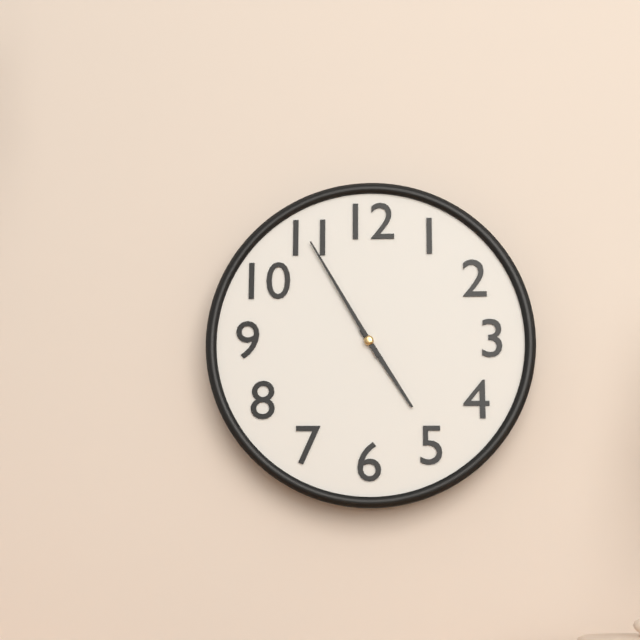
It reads **4:55**
